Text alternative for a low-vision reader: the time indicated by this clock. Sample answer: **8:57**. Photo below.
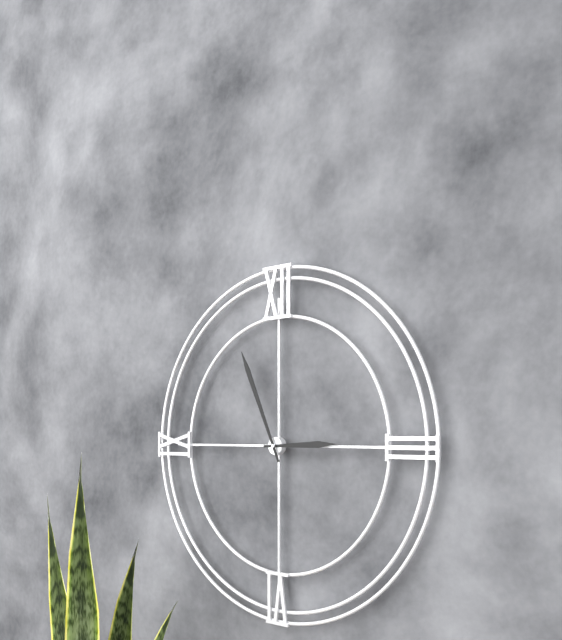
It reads **2:56**
